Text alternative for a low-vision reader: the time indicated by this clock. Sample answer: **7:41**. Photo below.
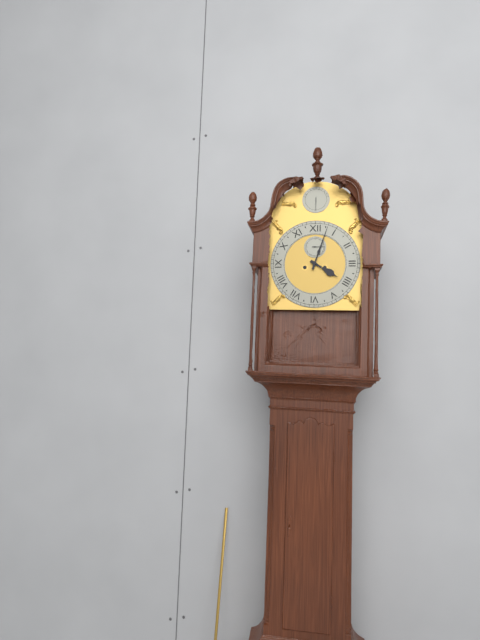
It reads **4:03**
